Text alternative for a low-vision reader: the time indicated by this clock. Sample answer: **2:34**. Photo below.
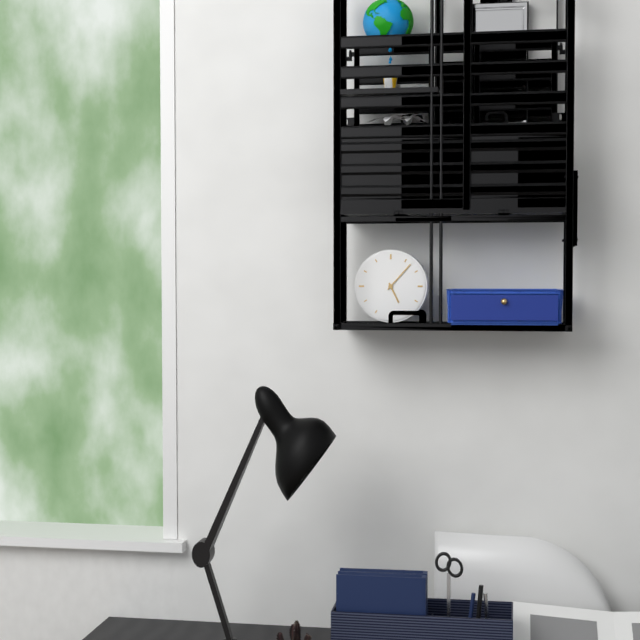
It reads **5:07**
